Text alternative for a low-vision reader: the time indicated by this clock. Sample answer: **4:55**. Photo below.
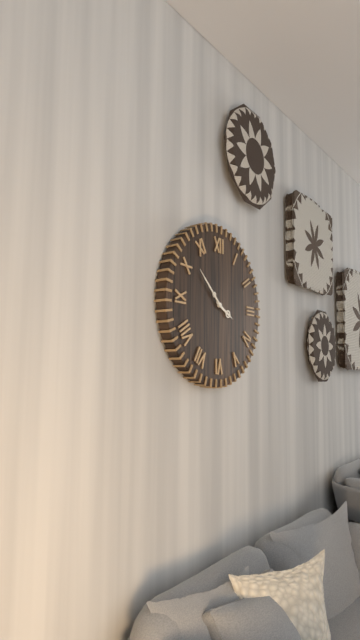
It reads **3:52**
